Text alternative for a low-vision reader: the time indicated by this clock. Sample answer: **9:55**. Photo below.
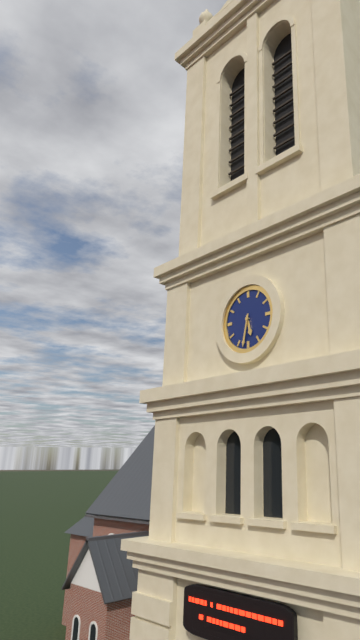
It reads **5:32**
